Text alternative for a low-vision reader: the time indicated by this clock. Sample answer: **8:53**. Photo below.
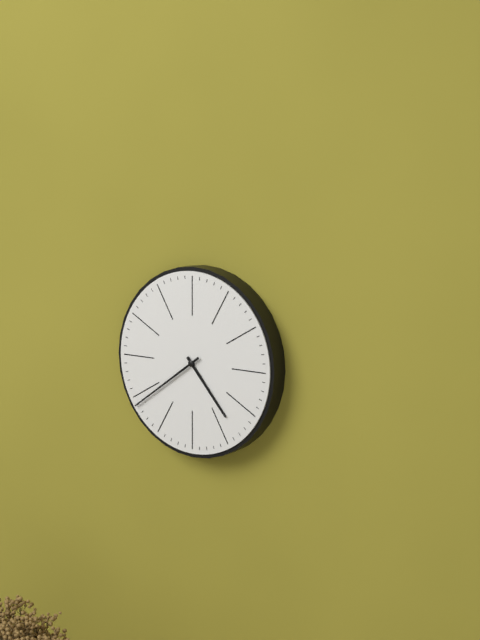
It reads **4:39**
